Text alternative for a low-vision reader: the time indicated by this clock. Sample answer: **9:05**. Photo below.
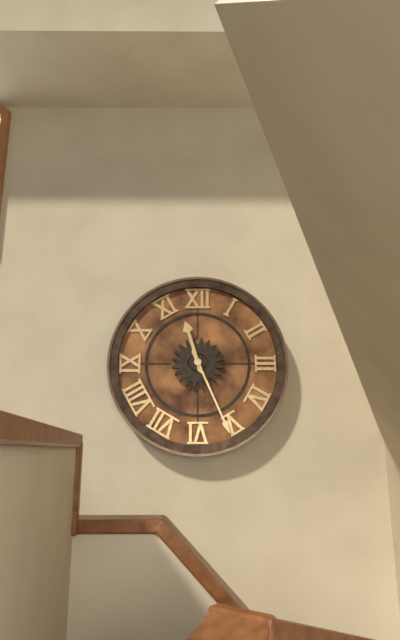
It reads **11:26**
